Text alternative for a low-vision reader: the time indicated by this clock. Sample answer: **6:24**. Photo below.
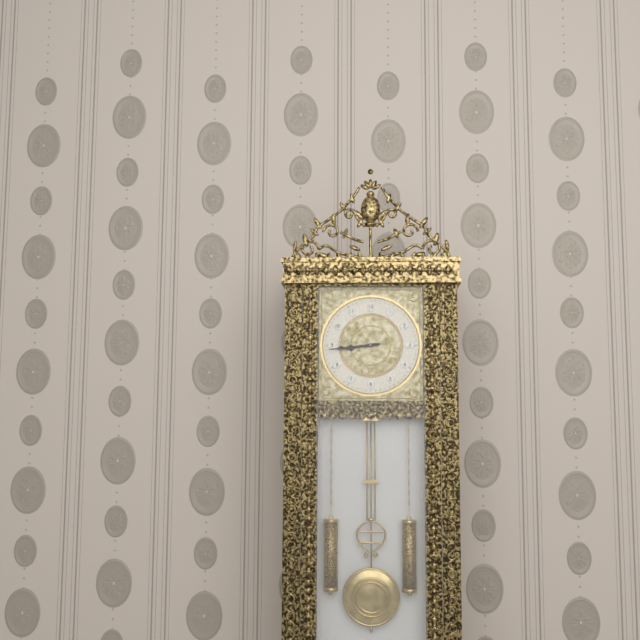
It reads **8:44**
